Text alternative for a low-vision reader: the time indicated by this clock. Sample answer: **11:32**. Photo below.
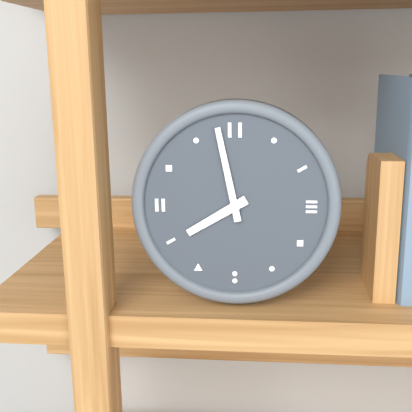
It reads **7:58**
